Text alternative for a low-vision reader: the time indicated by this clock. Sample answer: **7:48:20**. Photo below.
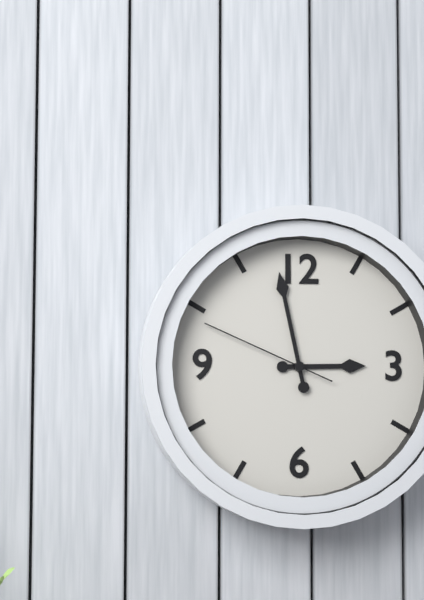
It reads **2:58:49**
